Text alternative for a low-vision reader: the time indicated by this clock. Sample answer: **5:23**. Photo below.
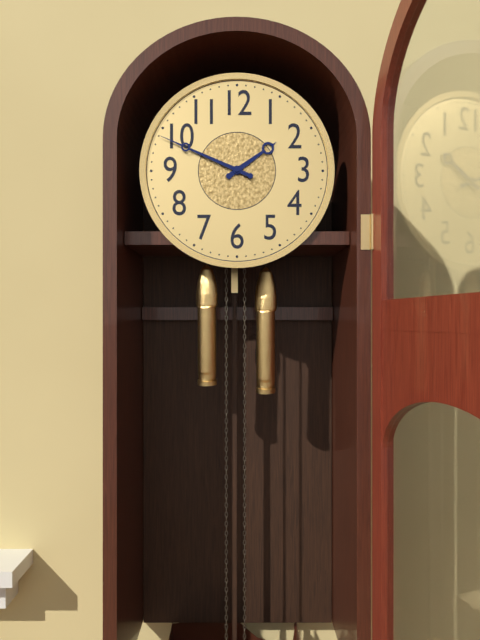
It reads **1:49**
